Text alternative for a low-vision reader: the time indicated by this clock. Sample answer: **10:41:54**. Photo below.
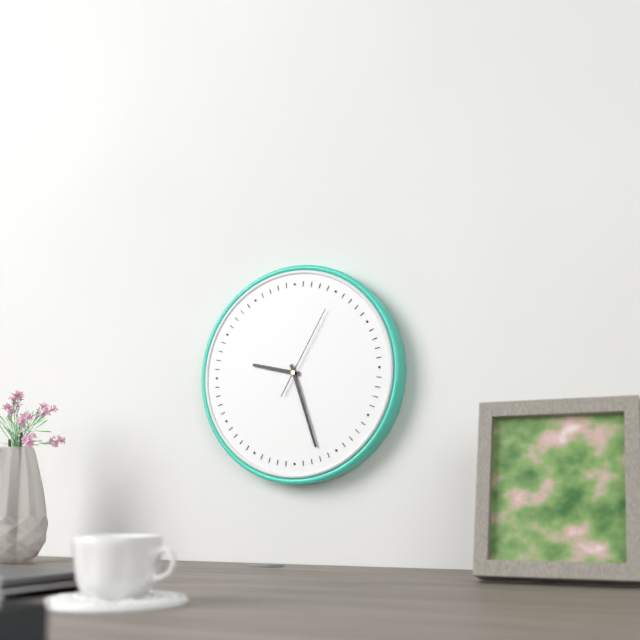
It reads **9:27:05**
